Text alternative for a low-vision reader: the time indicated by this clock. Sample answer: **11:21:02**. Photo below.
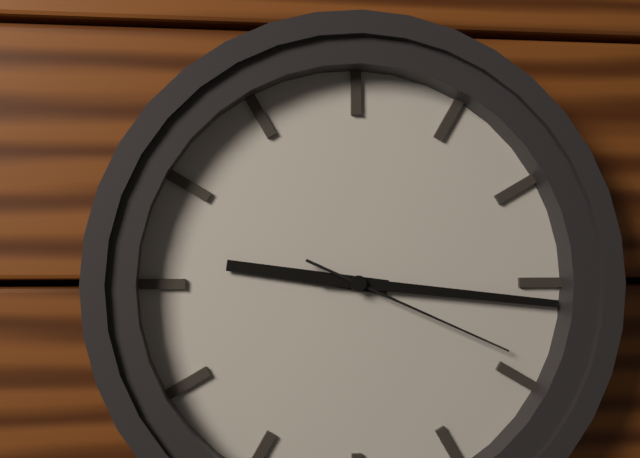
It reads **9:16:19**
